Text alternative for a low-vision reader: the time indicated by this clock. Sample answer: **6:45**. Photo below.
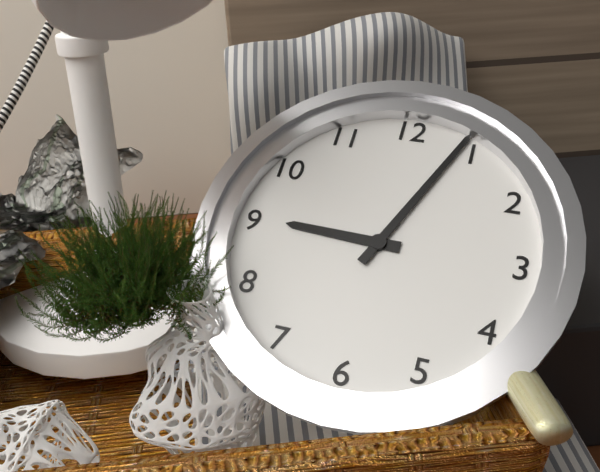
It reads **9:04**
